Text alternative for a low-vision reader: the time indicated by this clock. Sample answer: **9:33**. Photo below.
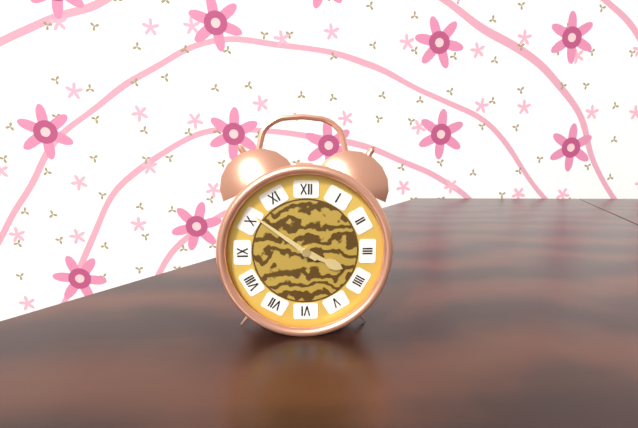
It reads **3:51**
